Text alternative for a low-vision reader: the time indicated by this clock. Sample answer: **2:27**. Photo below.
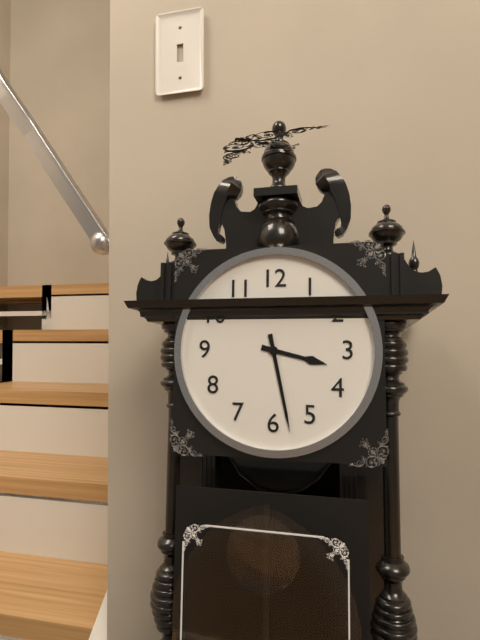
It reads **3:28**
